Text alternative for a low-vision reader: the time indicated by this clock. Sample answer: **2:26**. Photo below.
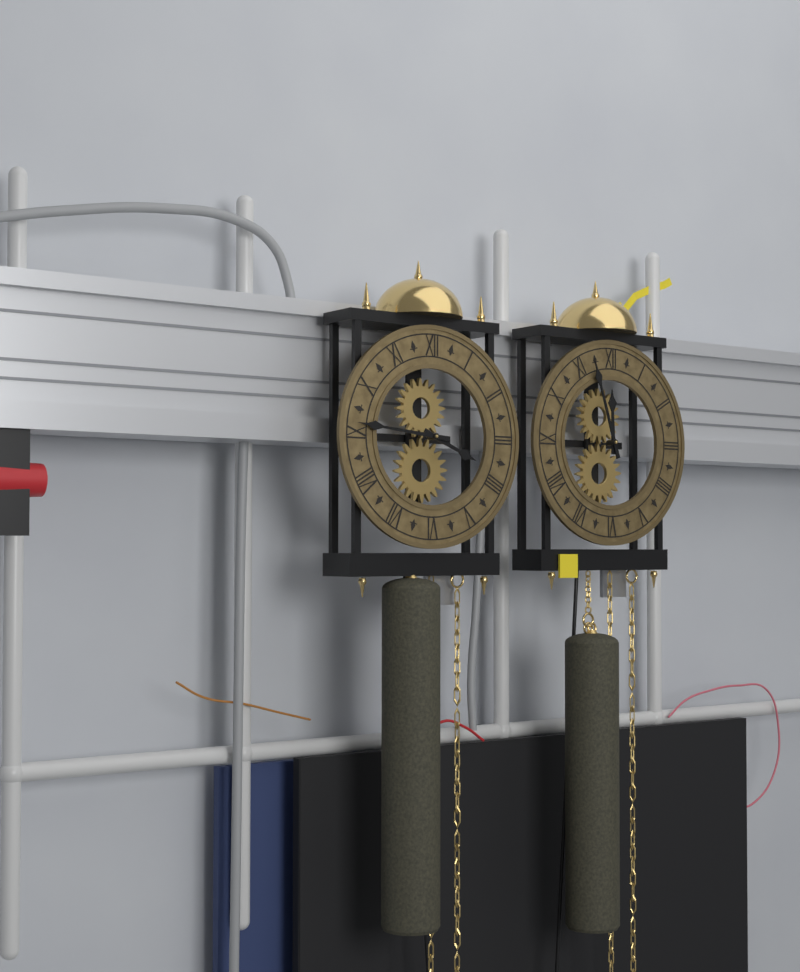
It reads **3:46**
